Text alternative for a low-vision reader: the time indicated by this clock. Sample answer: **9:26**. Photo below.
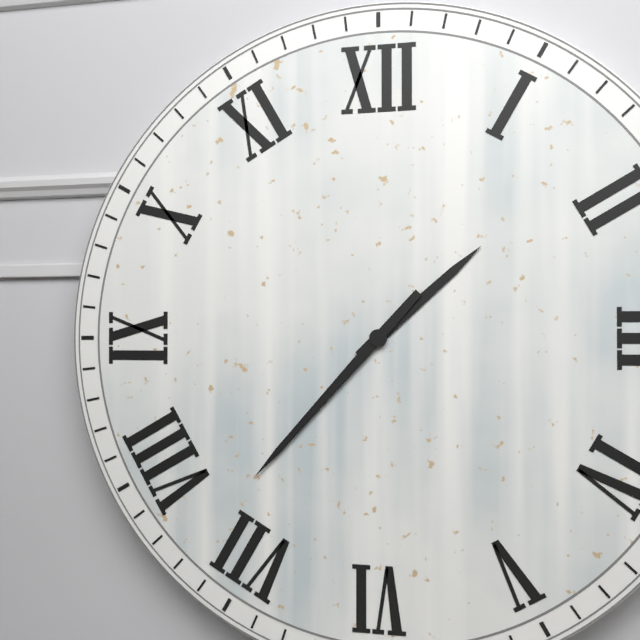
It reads **1:37**
